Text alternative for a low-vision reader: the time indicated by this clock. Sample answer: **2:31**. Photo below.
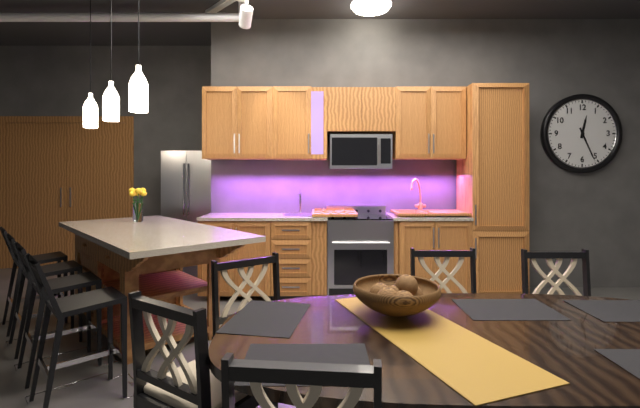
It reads **12:26**
